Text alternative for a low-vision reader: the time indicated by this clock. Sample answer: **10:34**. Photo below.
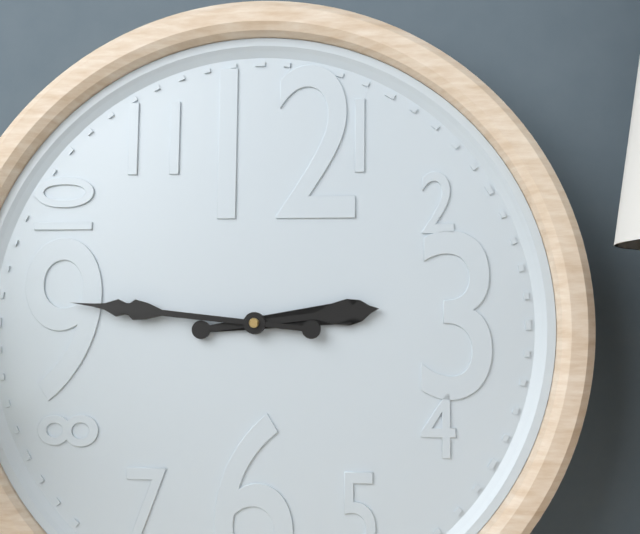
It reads **2:46**
